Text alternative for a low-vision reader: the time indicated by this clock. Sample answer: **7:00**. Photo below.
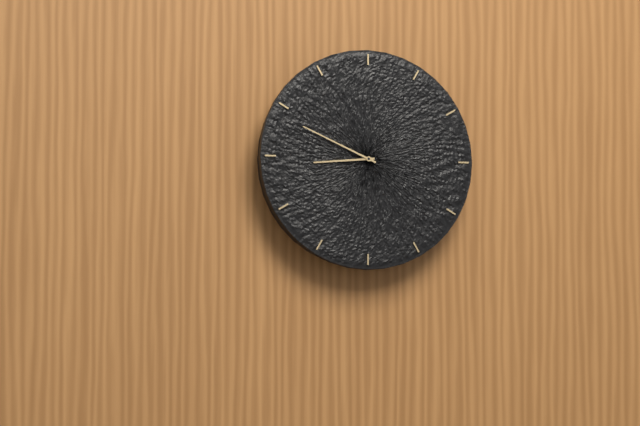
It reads **8:49**
